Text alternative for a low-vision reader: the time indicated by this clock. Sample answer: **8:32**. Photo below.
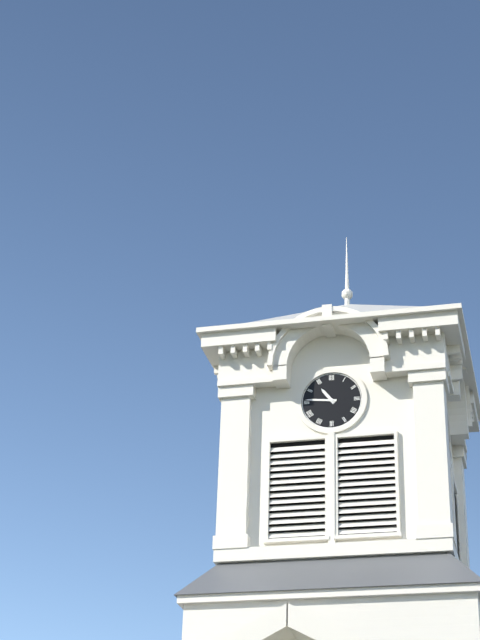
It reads **10:46**
